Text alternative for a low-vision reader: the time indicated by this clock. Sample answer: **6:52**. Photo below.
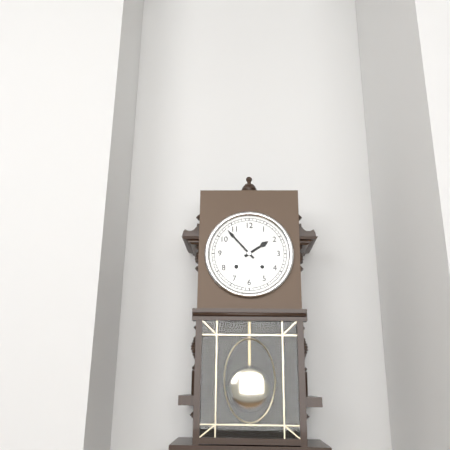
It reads **1:53**
